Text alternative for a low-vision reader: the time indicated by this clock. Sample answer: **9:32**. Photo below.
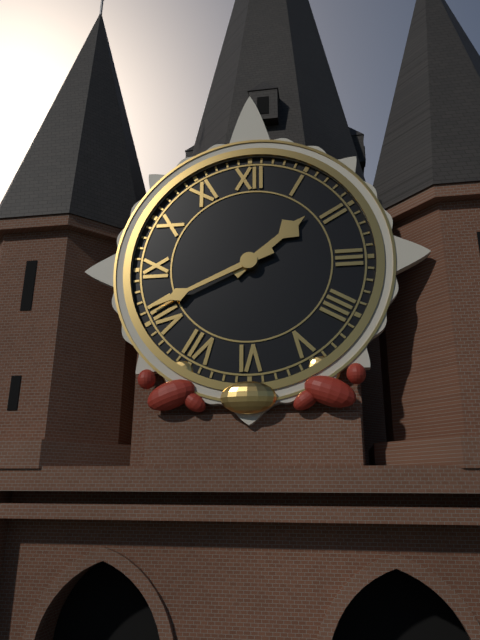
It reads **1:41**
